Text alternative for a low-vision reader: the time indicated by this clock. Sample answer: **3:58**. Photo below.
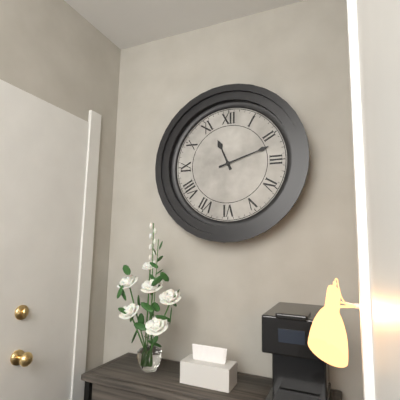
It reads **11:12**
